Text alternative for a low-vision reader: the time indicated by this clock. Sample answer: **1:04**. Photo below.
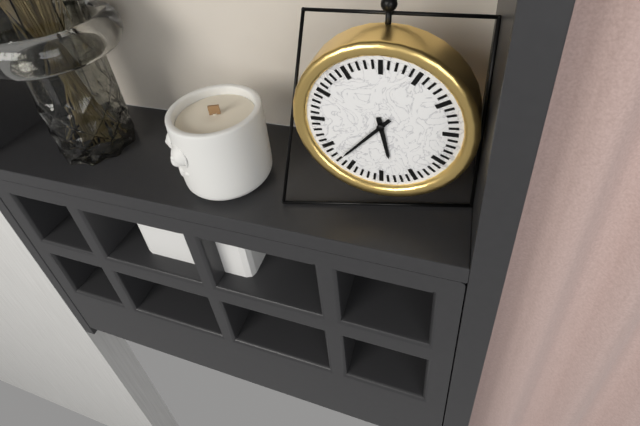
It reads **5:37**
